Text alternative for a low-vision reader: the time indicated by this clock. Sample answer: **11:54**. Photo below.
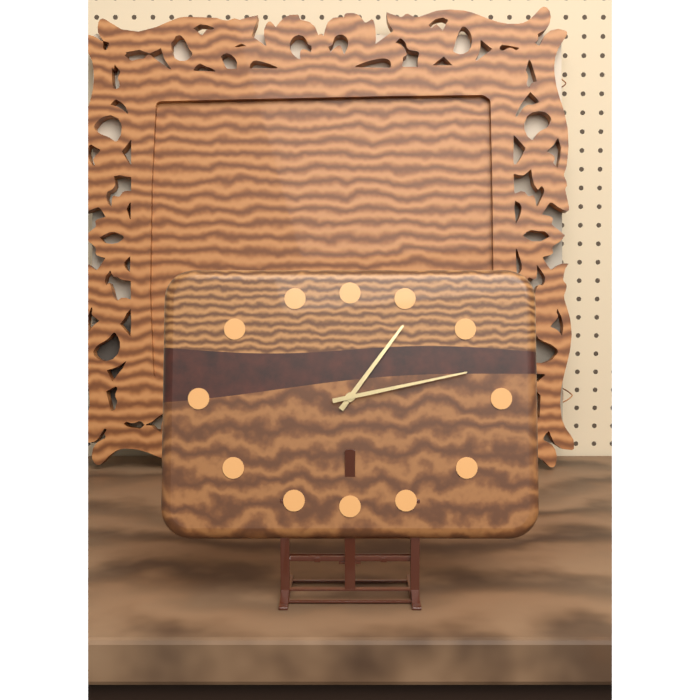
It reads **1:13**
